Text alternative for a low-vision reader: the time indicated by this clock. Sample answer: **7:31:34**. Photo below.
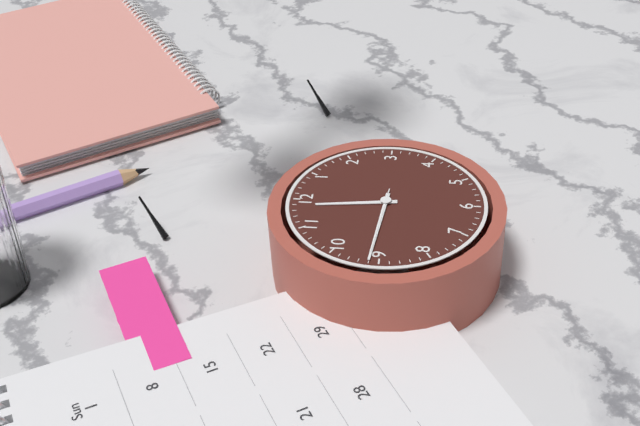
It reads **11:46:46**
